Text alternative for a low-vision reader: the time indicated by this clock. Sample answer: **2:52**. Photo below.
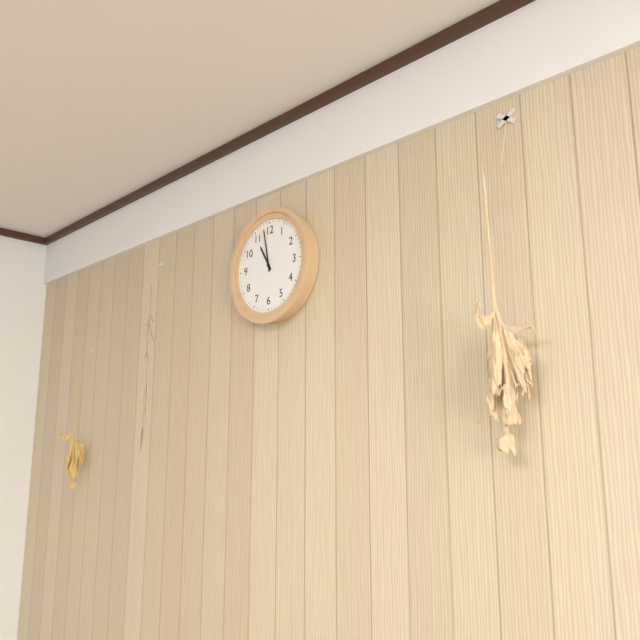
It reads **10:58**
